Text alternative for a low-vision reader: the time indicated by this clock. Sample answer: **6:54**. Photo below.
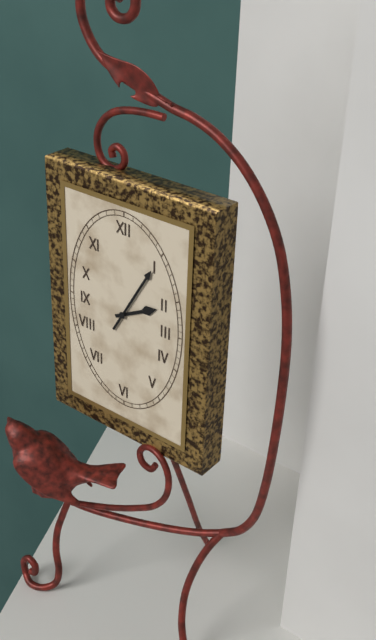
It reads **2:05**
